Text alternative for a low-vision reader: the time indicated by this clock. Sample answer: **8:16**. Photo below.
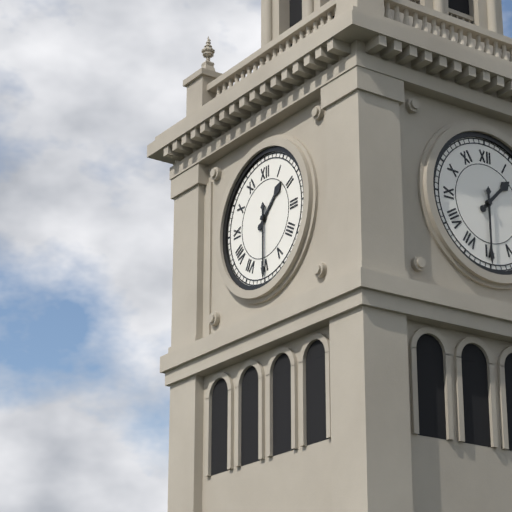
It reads **1:30**
